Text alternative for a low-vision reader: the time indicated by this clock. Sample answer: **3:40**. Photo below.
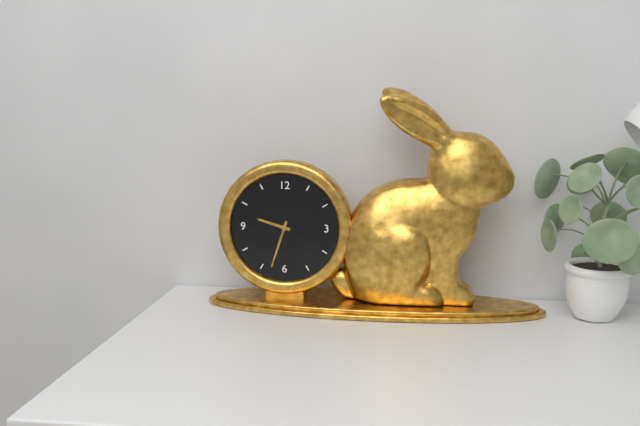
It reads **9:33**
